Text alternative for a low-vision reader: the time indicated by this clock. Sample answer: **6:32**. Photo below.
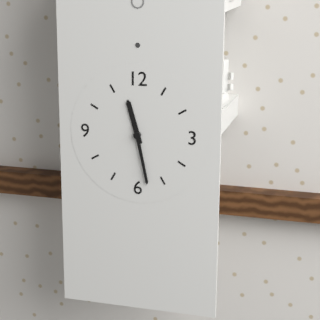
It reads **11:28**
